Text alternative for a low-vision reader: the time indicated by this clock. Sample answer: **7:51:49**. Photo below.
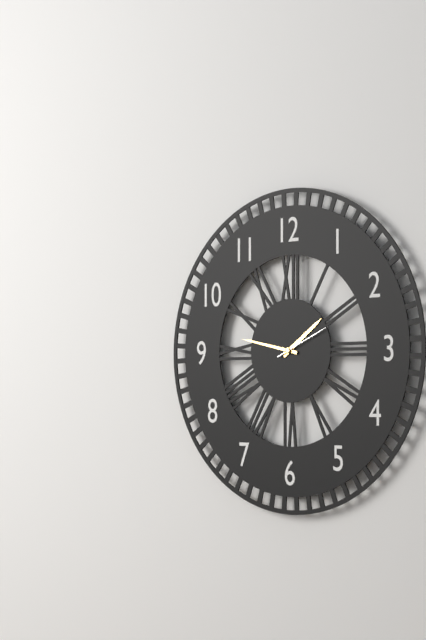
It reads **1:47:11**
